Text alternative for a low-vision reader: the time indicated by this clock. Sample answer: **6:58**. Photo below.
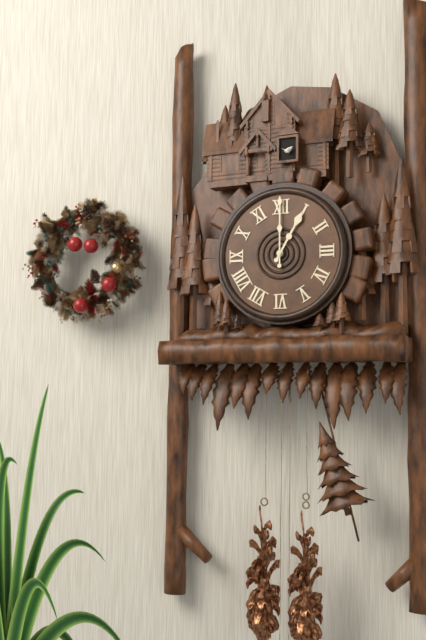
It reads **1:00**
